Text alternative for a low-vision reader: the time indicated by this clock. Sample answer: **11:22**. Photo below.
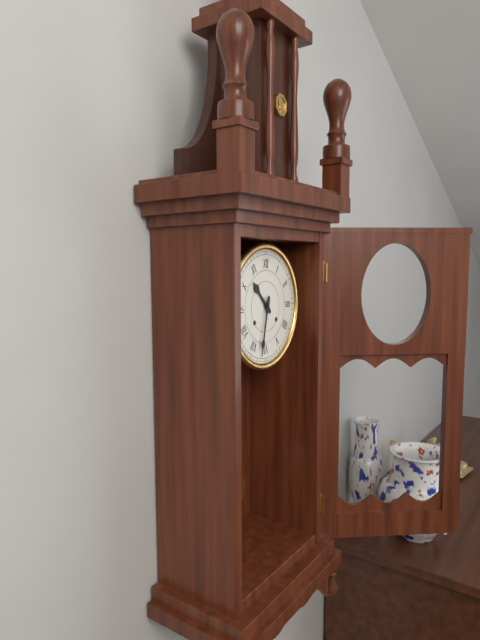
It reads **10:32**
